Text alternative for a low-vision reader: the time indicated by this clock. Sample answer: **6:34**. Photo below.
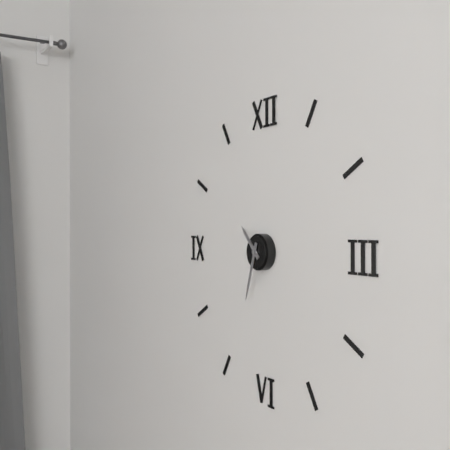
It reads **10:33**
